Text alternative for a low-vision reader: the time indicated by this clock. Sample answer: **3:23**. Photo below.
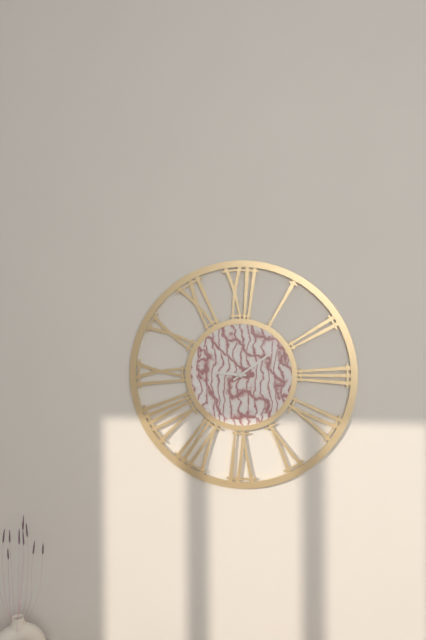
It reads **9:09**
